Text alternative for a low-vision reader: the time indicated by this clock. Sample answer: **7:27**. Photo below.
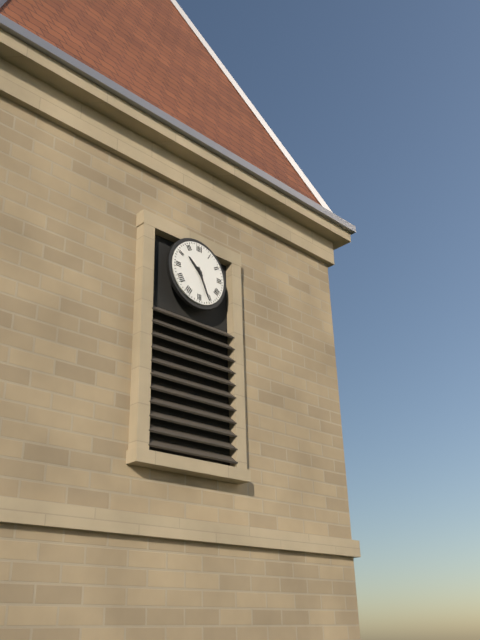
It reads **10:26**
